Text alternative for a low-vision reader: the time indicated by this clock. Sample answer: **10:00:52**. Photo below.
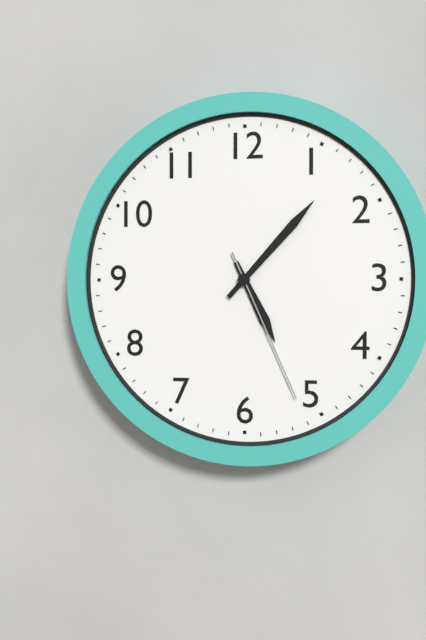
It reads **5:07:26**
